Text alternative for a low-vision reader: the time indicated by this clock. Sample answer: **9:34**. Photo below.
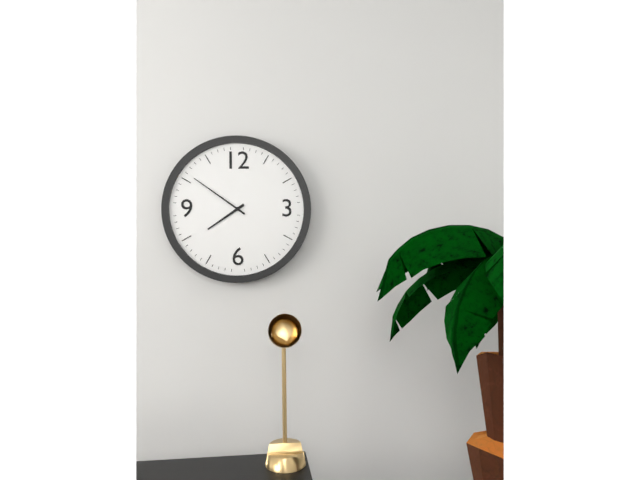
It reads **7:51**
